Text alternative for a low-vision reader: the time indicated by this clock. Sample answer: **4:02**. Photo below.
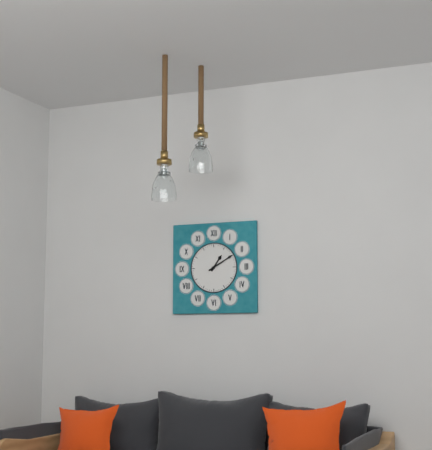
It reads **1:10**
